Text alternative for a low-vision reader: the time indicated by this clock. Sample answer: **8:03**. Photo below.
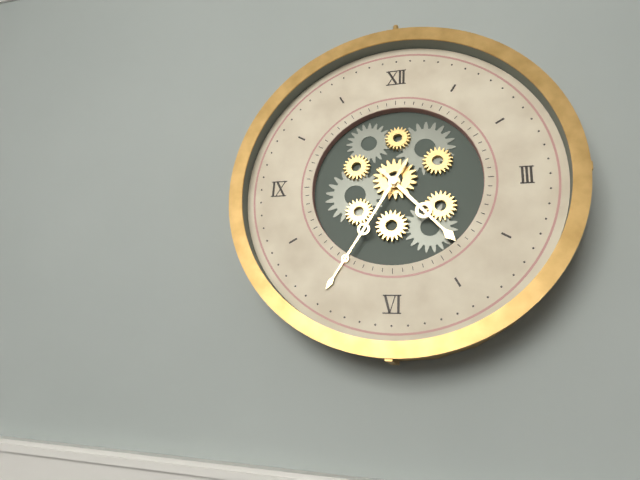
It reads **4:35**
